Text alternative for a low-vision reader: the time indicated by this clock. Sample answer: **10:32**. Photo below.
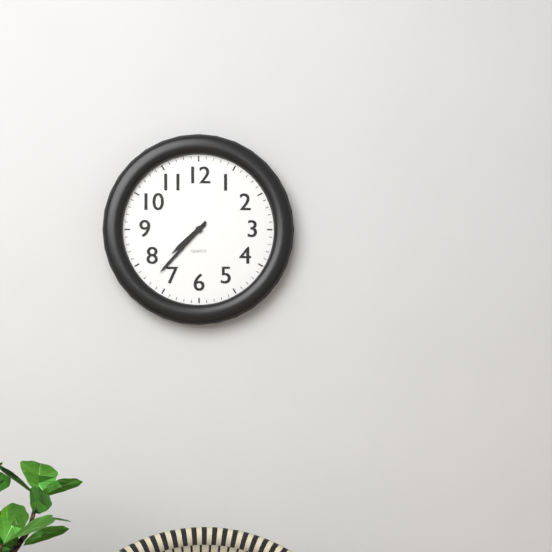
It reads **7:37**
